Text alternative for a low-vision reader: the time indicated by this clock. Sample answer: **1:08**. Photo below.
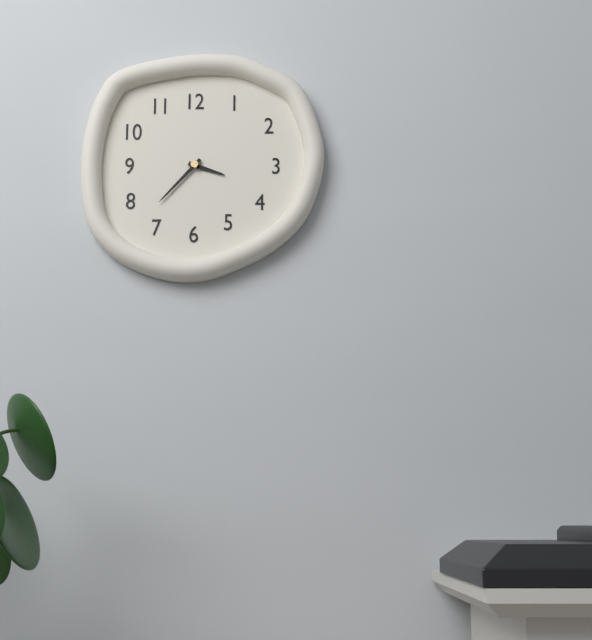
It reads **3:37**
